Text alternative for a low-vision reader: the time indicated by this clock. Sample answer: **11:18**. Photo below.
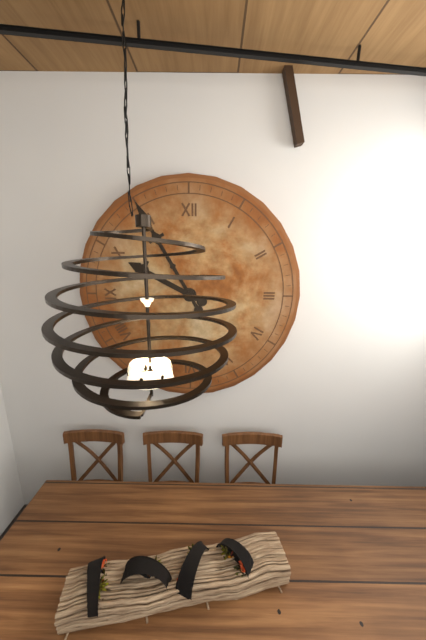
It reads **9:55**
